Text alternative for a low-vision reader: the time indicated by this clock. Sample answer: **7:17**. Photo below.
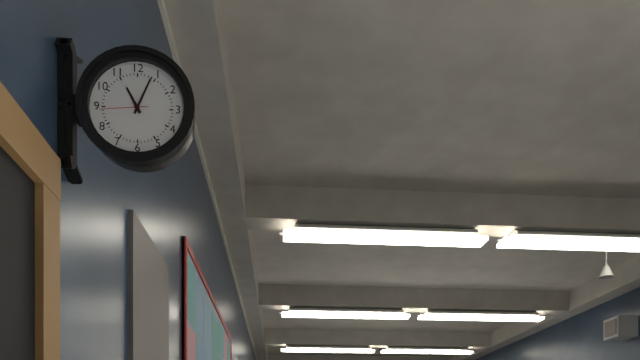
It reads **11:04**
